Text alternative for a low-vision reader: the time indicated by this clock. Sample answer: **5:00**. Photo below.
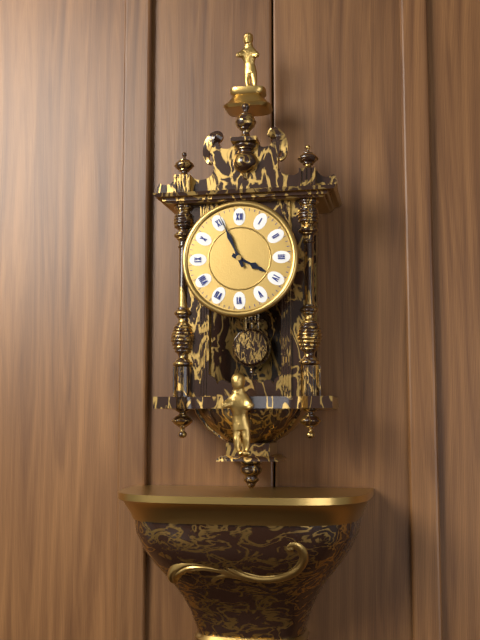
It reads **3:56**
